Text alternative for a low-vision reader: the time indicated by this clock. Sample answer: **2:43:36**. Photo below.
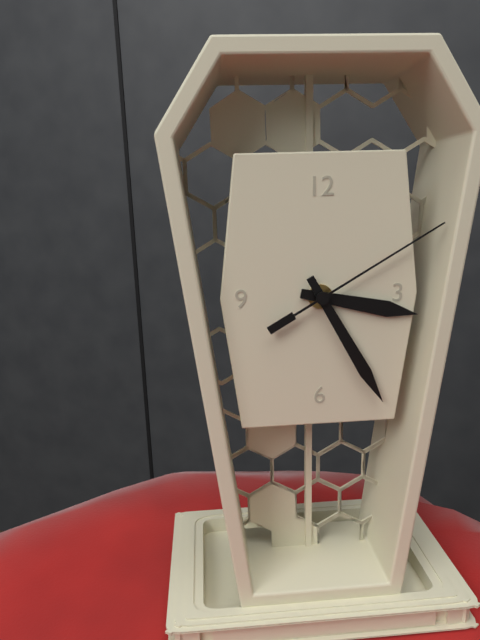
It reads **3:25:10**
